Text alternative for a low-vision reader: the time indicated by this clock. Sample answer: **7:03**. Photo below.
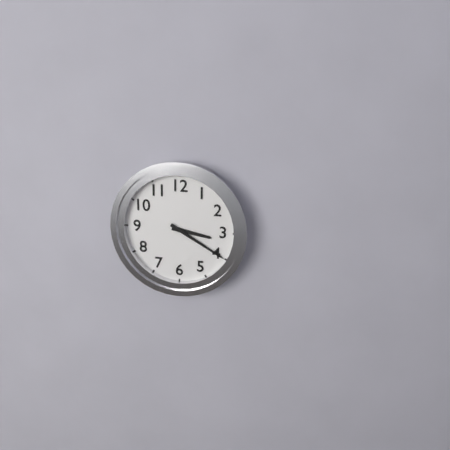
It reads **3:20**
